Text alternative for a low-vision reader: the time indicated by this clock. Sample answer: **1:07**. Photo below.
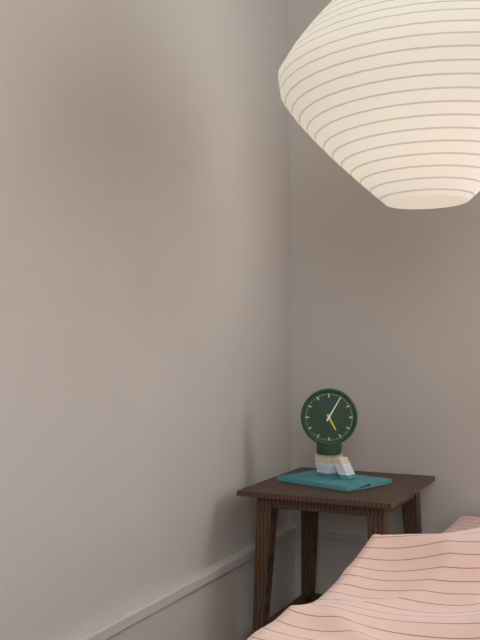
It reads **5:05**
